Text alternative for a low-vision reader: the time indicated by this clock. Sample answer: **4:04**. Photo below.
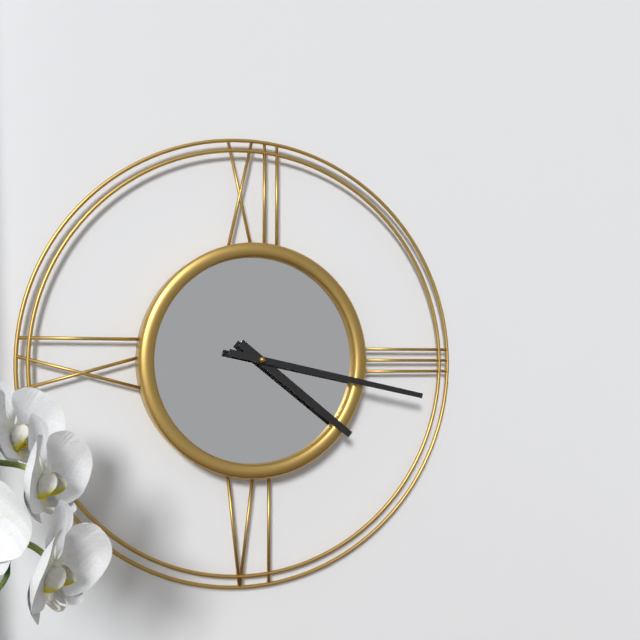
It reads **4:17**
